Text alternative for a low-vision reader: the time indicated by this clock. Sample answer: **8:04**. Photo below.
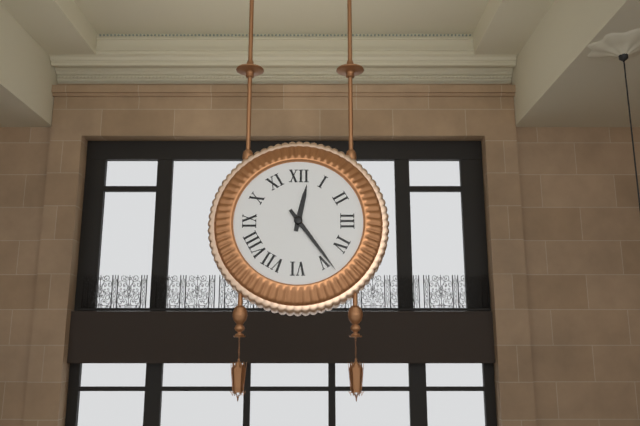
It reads **12:24**
